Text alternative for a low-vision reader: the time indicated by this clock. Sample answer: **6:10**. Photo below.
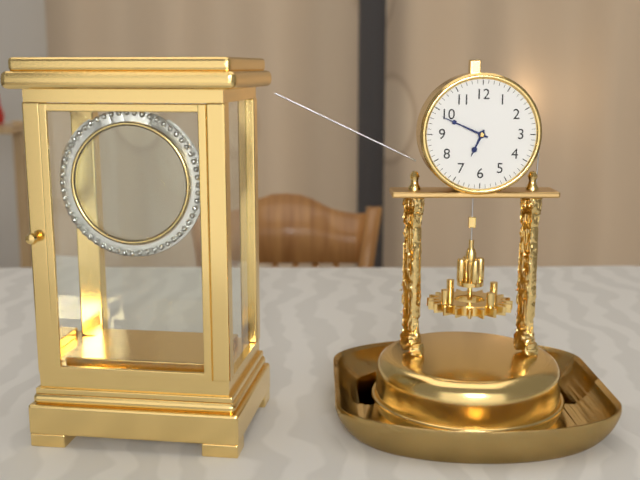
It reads **6:49**
